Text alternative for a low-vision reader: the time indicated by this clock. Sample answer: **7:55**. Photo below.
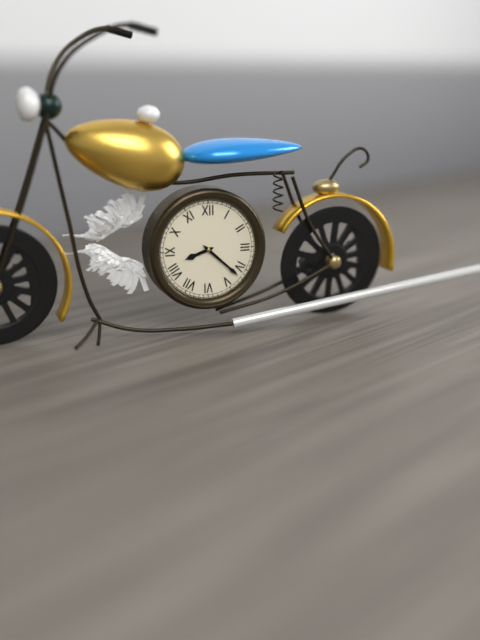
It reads **8:22**
